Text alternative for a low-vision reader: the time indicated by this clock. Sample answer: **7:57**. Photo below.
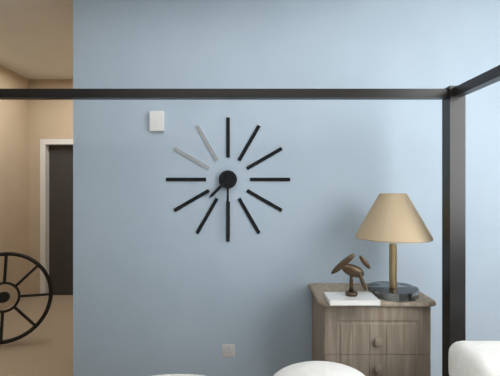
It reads **7:30**
